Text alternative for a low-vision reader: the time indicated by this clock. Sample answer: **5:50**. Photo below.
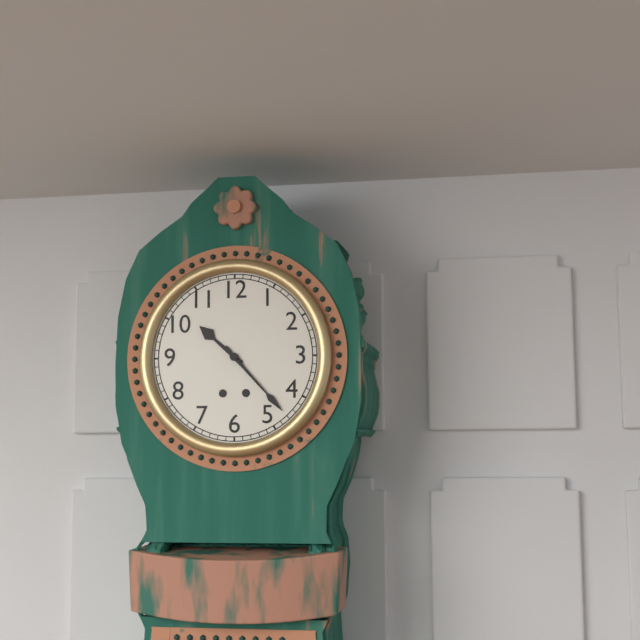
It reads **10:23**
